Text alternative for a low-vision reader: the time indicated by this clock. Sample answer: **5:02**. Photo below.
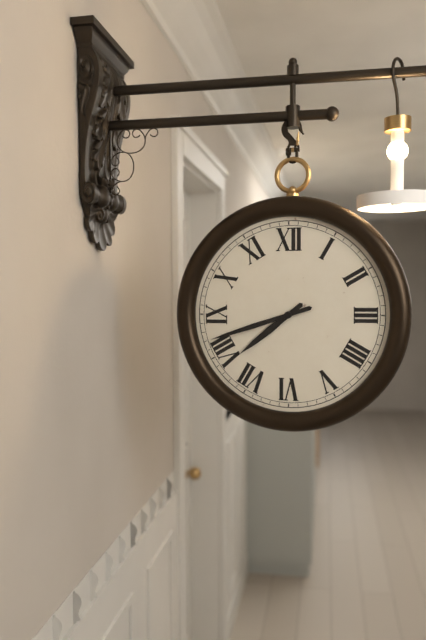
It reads **7:42**
